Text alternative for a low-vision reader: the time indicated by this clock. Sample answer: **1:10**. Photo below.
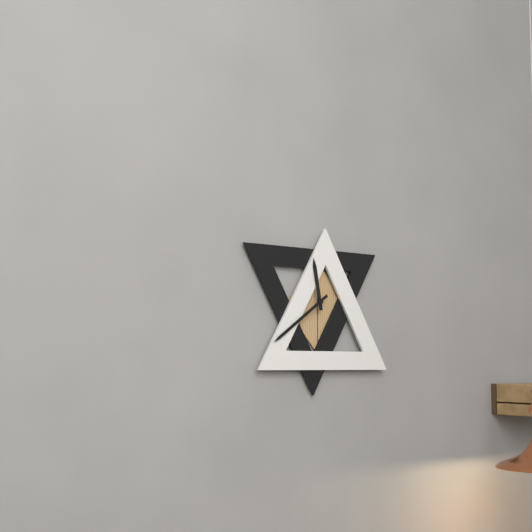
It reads **11:39**
